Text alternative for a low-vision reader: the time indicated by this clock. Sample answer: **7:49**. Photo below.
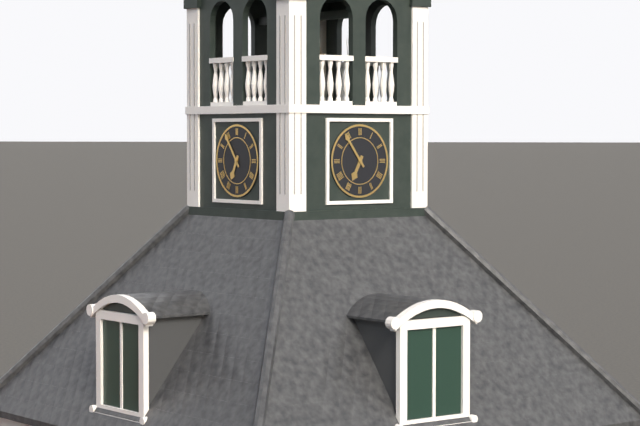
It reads **6:54**
